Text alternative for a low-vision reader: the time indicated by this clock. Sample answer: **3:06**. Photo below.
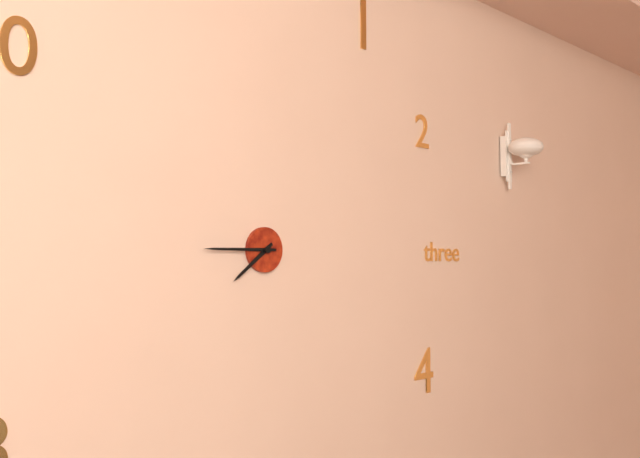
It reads **7:45**
